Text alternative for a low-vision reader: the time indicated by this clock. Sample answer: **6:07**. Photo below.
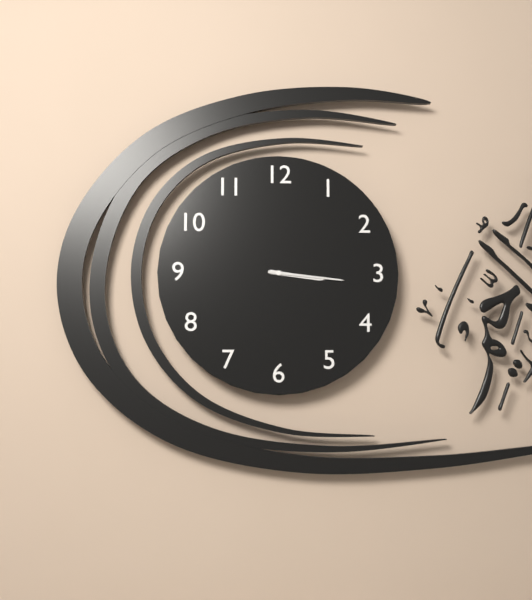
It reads **3:16**
